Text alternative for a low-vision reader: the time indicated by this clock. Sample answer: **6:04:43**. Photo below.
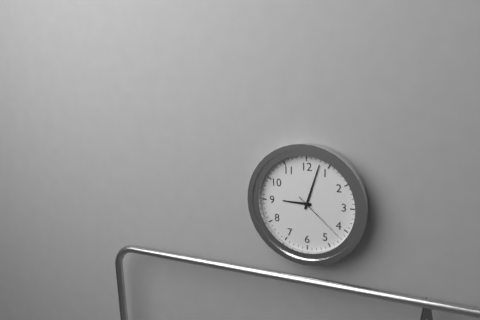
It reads **9:03:22**
